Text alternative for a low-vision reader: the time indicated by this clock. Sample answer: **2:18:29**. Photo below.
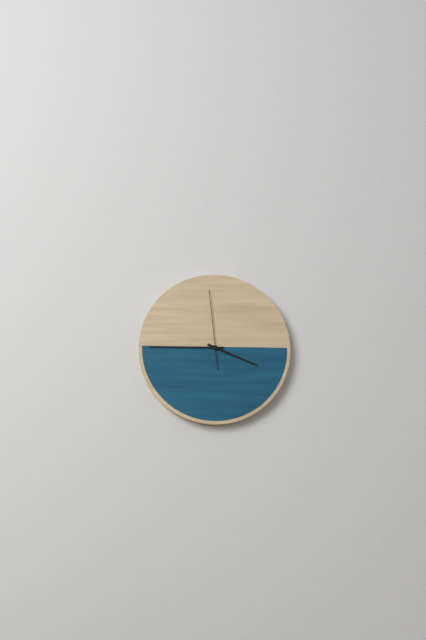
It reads **3:45:59**
